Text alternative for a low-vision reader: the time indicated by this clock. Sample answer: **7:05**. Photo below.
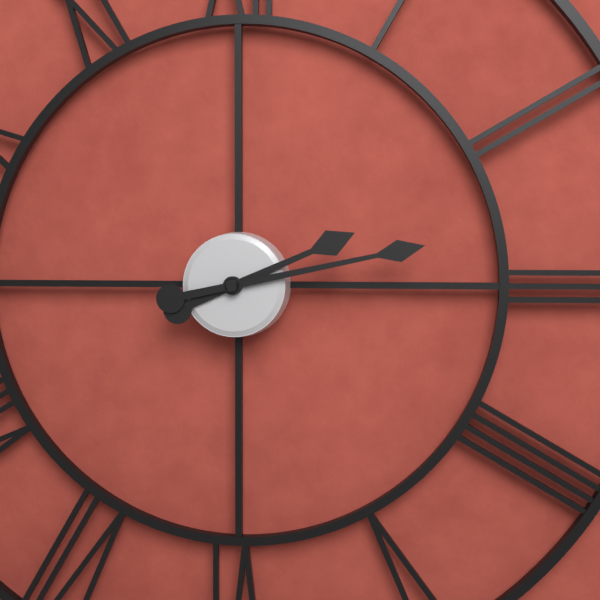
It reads **2:13**
